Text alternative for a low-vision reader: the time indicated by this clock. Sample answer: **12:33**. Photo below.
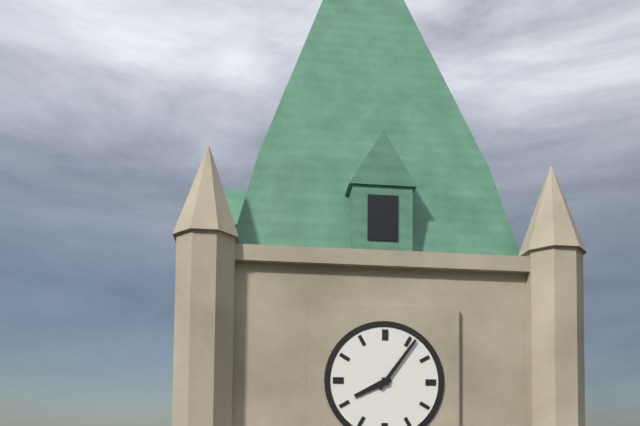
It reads **8:06**
